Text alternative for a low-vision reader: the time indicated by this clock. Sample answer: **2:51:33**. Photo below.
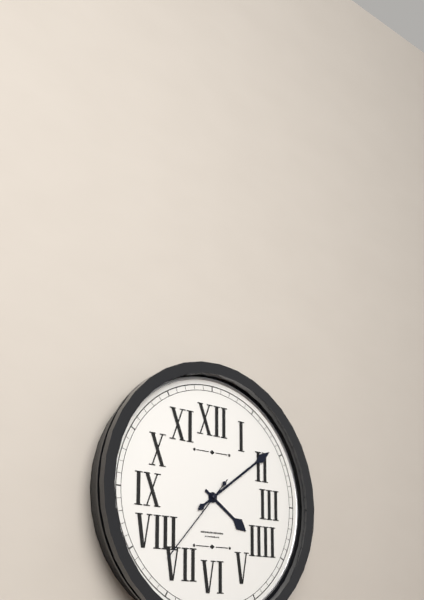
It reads **4:09:37**
